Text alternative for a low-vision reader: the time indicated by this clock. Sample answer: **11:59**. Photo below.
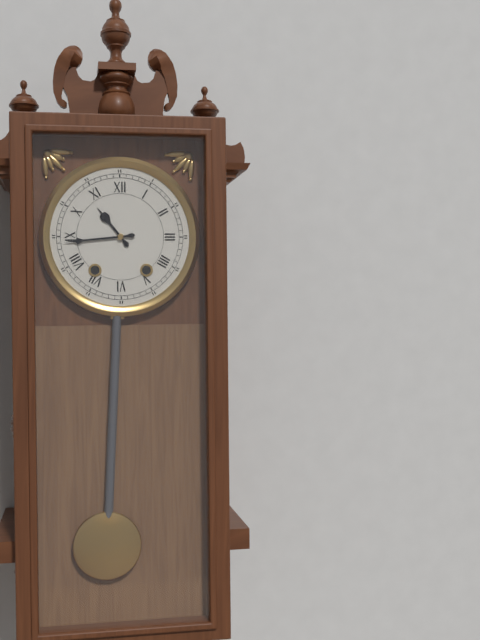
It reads **10:44**
